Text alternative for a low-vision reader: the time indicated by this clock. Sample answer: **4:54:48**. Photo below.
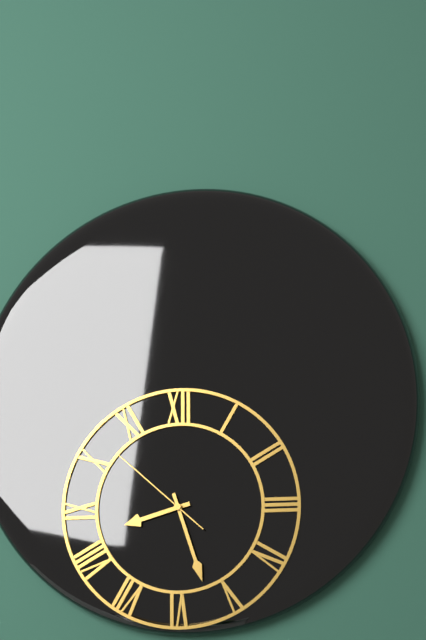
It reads **8:27:52**
